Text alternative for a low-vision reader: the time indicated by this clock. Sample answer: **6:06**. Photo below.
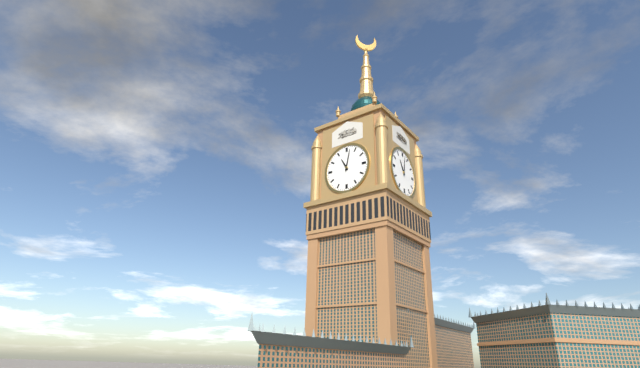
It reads **11:02**
